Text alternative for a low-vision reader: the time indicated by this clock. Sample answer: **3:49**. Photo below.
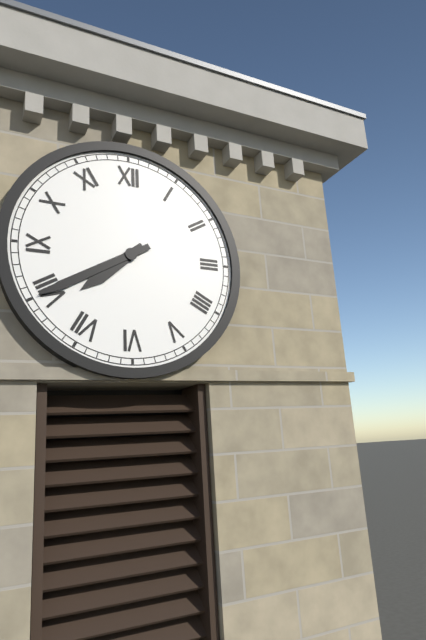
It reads **7:40**
